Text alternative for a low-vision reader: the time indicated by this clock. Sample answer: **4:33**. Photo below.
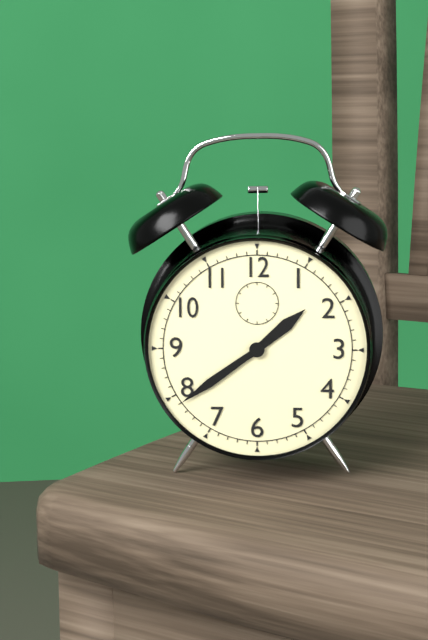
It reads **1:39**
